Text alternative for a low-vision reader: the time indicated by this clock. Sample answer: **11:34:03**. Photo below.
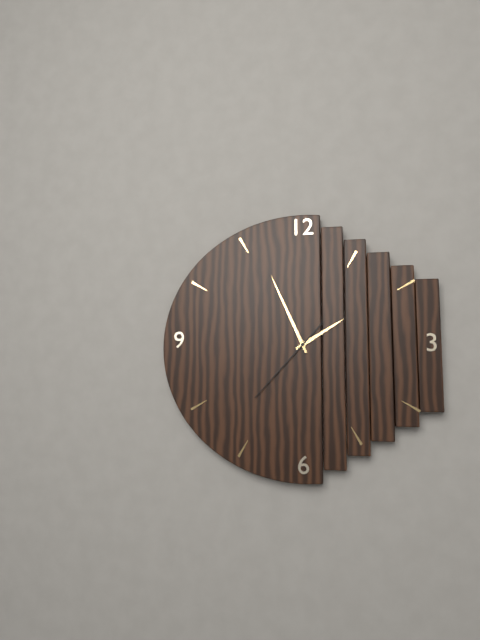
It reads **1:56:37**
